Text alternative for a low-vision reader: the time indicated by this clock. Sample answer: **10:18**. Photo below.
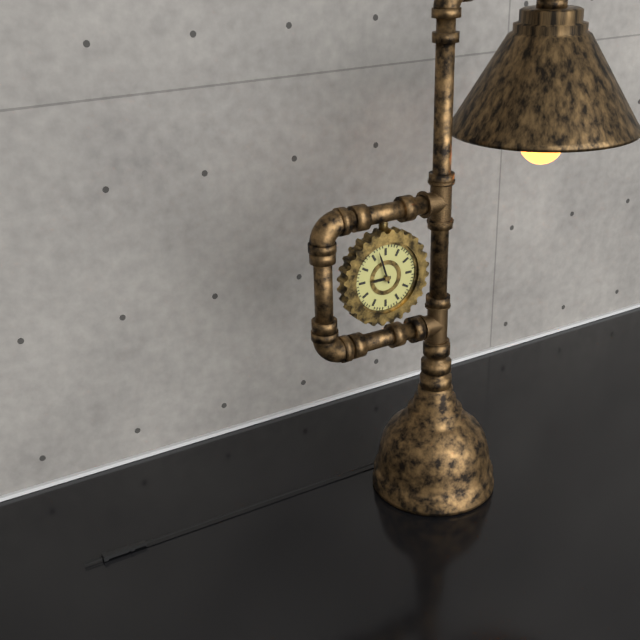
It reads **8:57**
